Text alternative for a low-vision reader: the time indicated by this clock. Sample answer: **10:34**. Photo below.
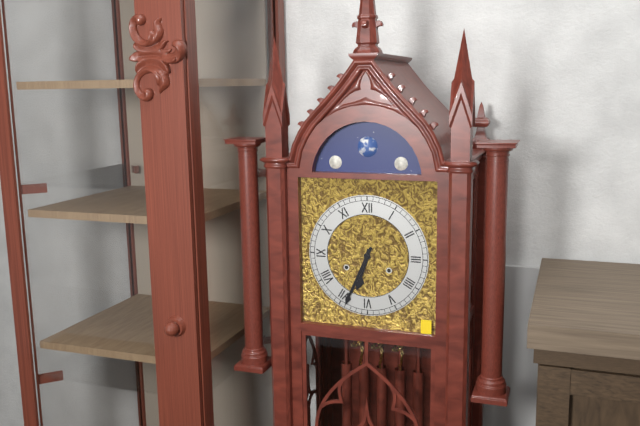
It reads **6:34**
